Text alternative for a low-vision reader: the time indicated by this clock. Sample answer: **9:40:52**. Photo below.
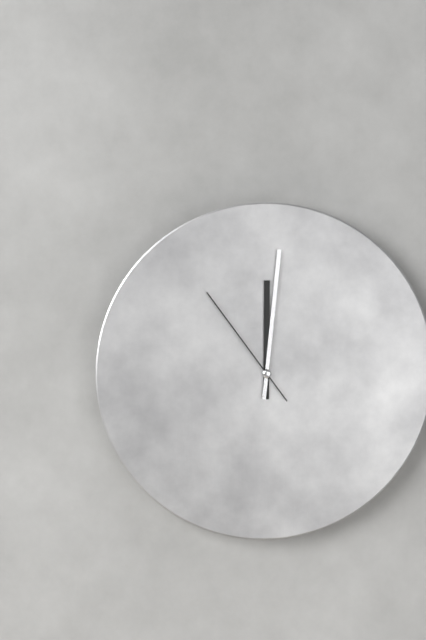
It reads **12:01:54**
